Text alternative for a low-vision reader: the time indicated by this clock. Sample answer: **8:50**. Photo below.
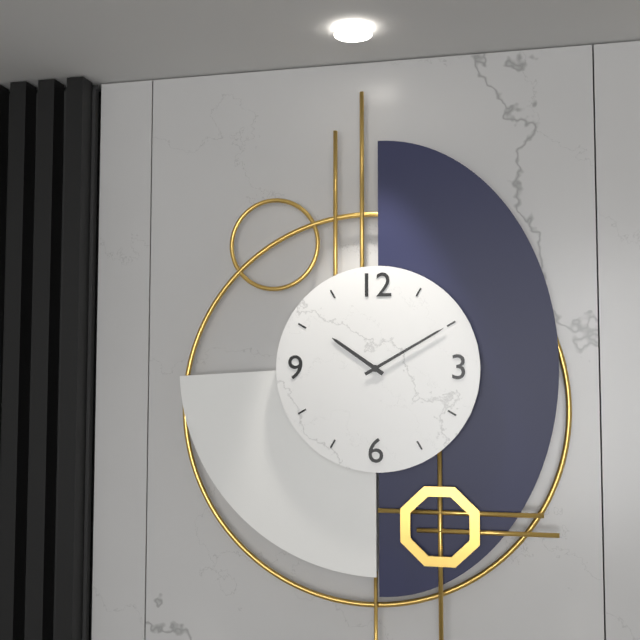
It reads **10:10**
